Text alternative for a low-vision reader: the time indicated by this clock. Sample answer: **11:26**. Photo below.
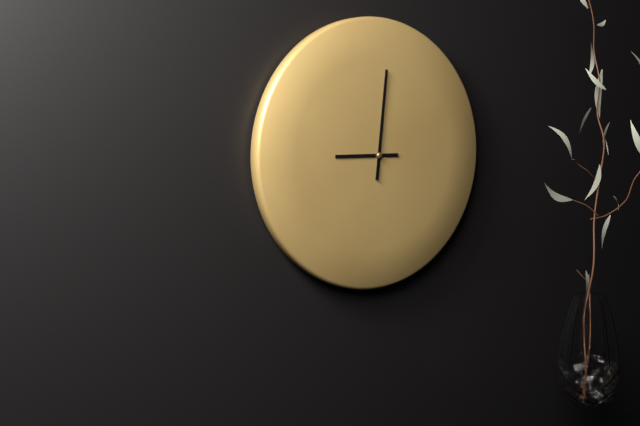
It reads **9:01**
